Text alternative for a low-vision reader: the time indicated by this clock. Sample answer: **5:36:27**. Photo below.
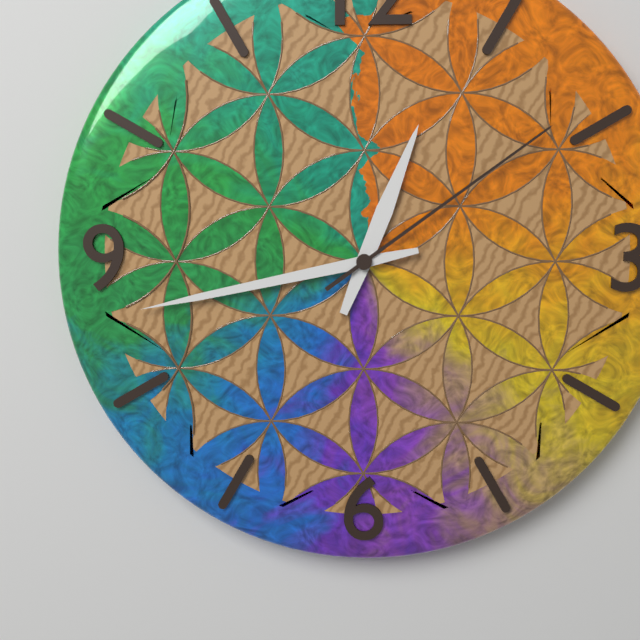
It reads **12:43:09**
